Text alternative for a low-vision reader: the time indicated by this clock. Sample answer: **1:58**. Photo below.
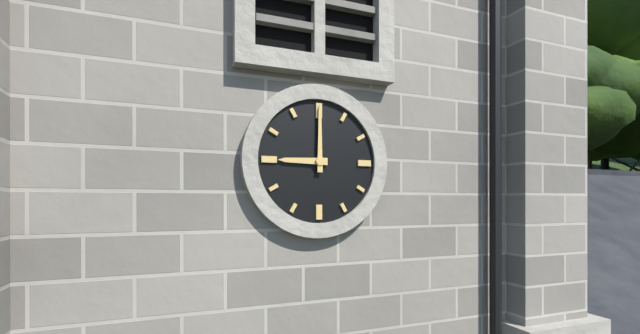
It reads **9:00**
